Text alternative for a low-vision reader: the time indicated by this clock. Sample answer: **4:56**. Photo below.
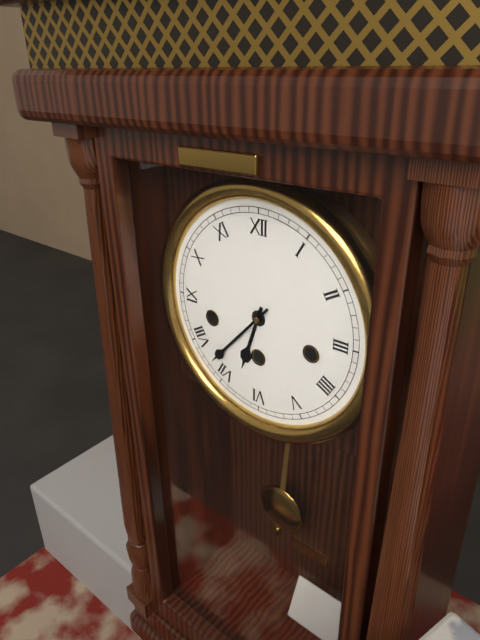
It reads **6:37**
